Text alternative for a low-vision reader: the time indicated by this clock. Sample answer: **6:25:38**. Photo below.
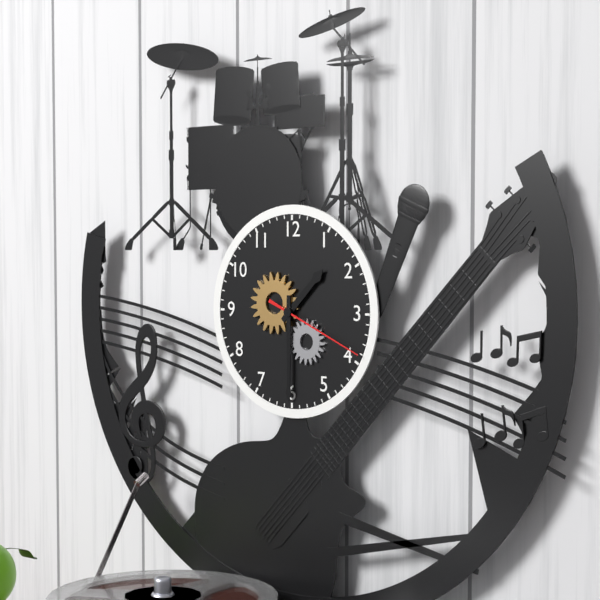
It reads **1:30:19**
